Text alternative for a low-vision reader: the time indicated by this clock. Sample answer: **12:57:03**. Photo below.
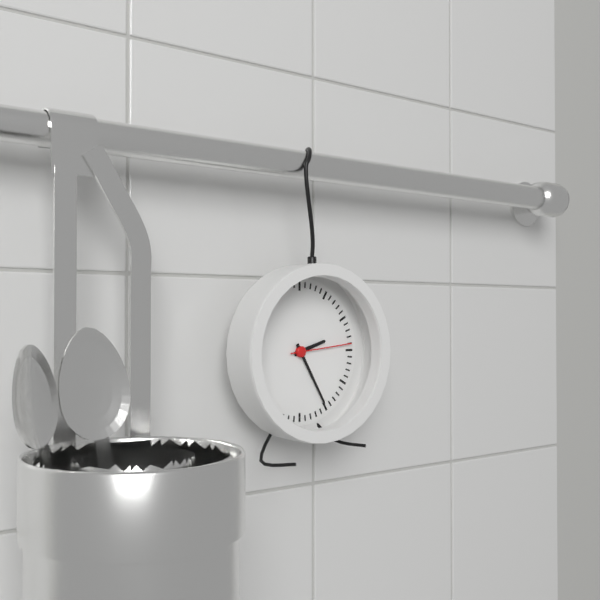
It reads **2:25:14**
